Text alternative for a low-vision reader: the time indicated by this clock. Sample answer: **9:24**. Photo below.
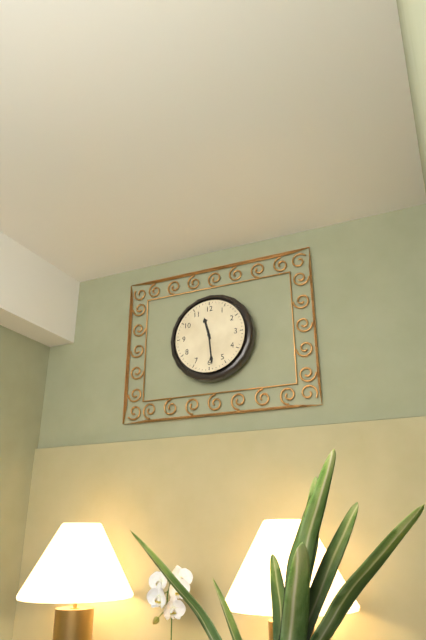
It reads **11:29**
